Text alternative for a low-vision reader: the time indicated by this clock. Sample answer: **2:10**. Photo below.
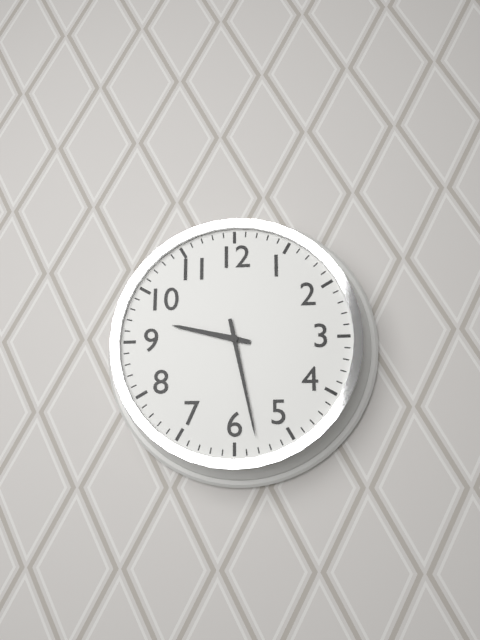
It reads **9:28**
